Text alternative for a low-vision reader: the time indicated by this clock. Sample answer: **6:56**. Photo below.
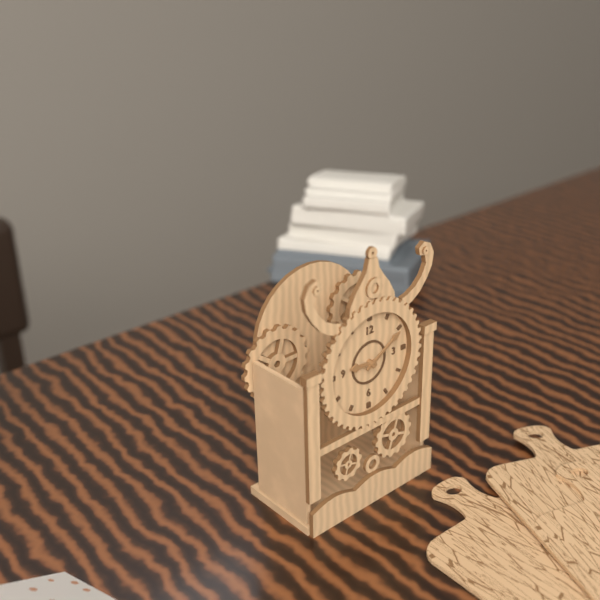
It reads **9:10**
